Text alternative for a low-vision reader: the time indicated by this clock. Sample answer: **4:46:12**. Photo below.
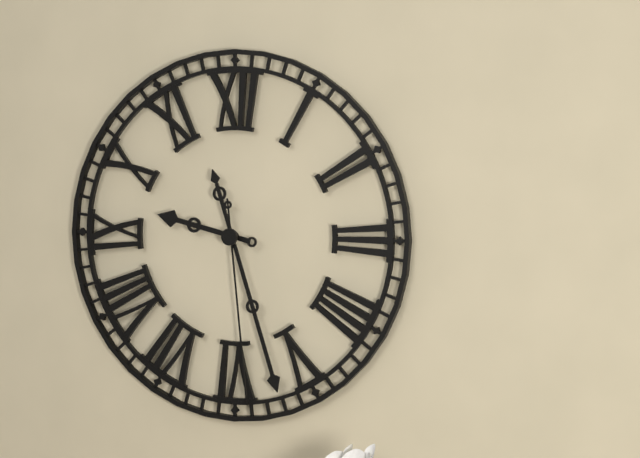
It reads **9:27:29**
